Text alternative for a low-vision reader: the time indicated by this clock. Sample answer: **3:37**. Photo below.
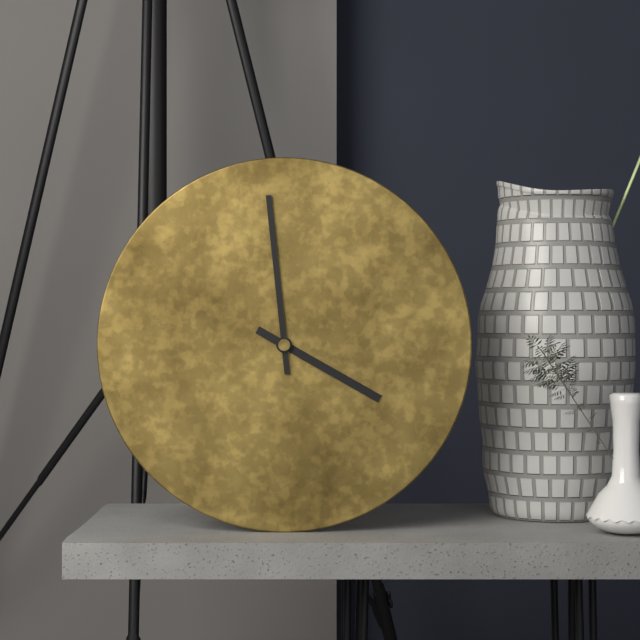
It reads **3:59**
